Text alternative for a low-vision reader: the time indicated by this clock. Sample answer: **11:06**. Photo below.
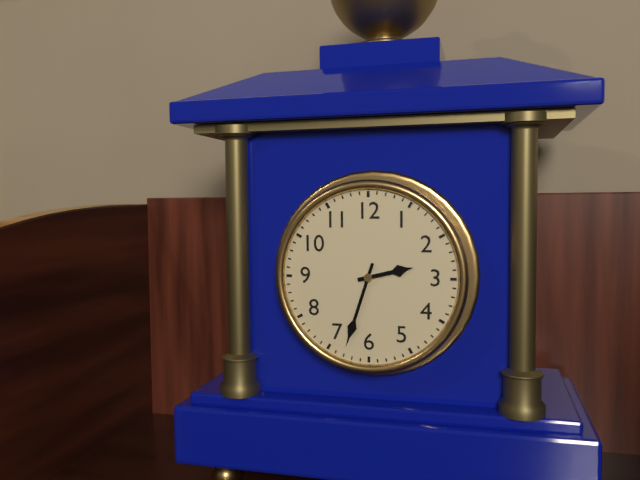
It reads **2:33**
